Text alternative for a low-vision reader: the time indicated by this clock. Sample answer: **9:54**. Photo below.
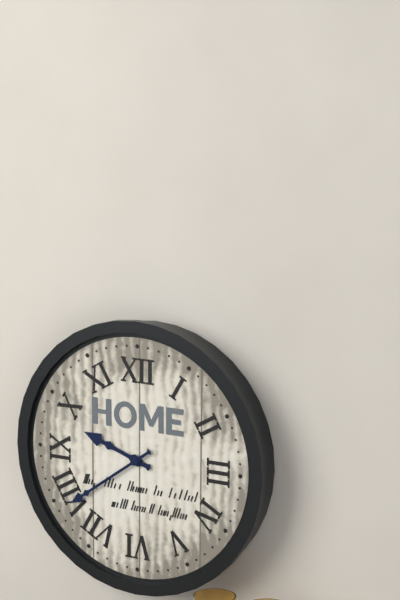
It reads **9:39**
